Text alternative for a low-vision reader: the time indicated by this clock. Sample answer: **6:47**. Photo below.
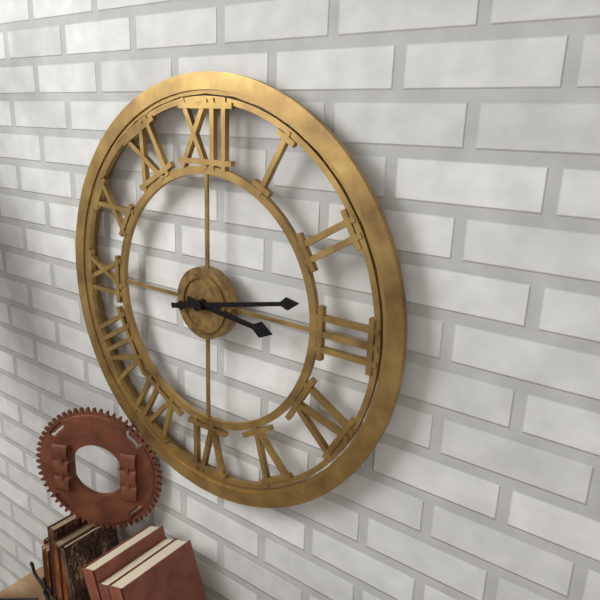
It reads **3:13**
